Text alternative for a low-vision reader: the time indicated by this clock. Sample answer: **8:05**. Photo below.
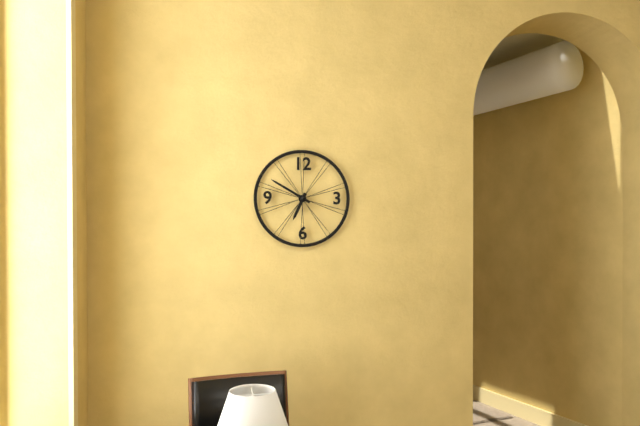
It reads **6:50**
